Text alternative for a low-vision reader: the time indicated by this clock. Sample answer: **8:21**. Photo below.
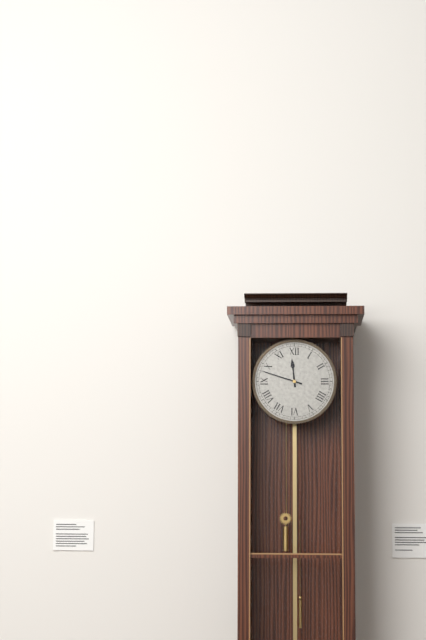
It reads **11:48**
